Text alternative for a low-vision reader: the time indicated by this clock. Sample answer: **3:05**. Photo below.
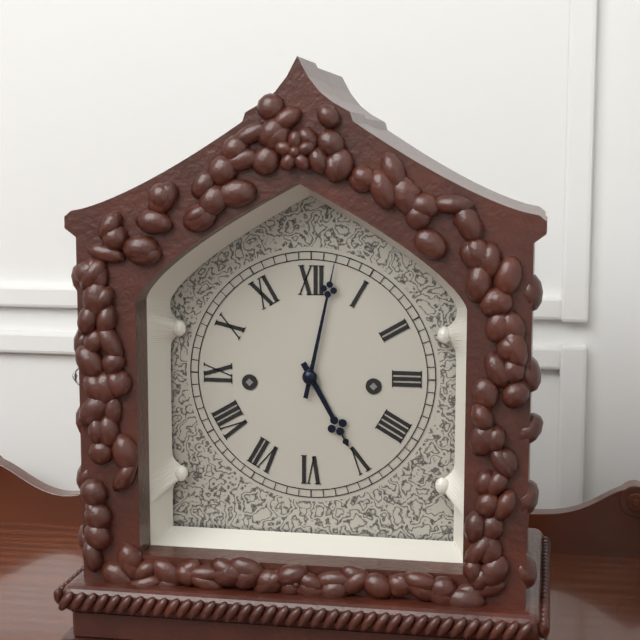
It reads **5:02**
